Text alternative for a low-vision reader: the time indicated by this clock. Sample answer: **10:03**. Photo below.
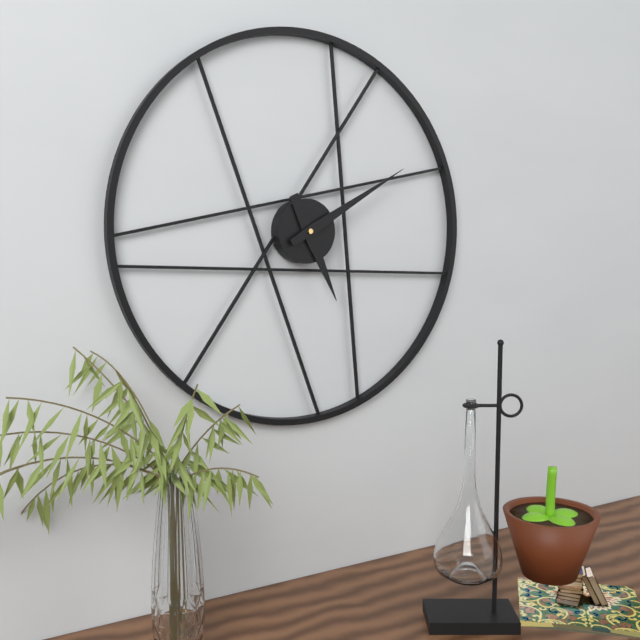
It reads **5:10**
